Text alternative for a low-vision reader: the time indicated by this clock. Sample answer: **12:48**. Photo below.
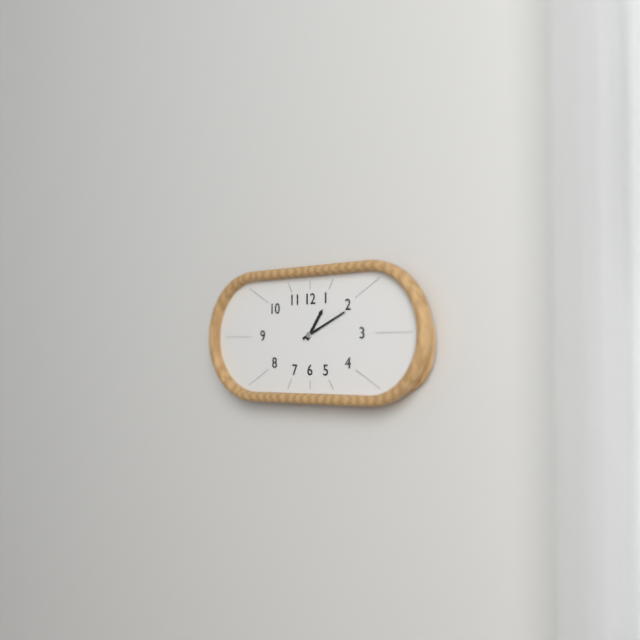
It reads **1:11**
